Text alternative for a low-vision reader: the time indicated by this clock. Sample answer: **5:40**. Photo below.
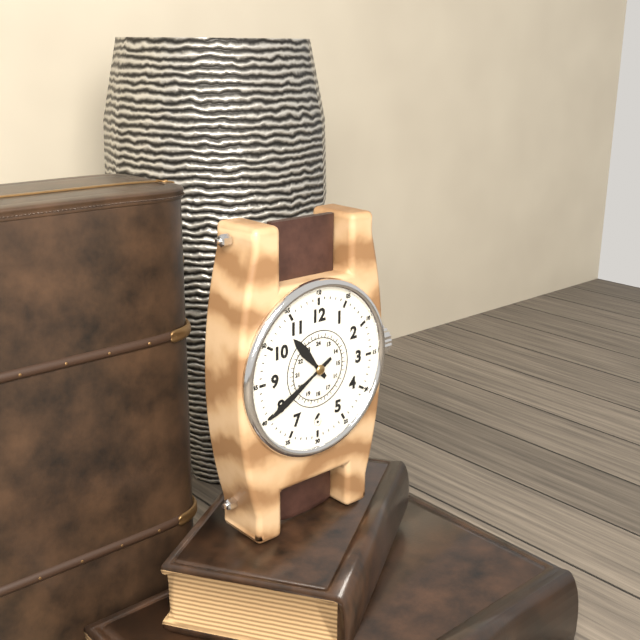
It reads **10:40**
